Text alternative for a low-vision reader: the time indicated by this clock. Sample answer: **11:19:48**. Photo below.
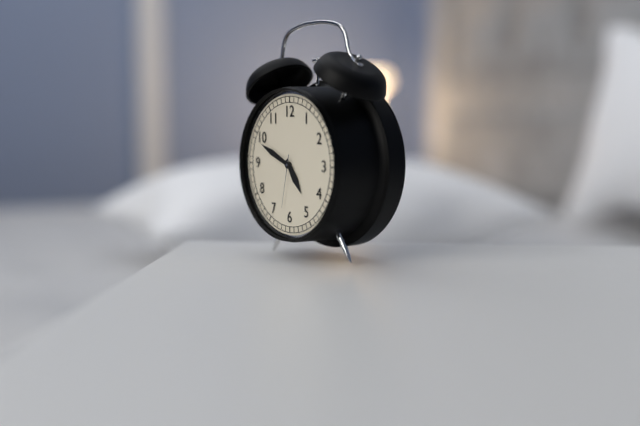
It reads **4:49:32**
